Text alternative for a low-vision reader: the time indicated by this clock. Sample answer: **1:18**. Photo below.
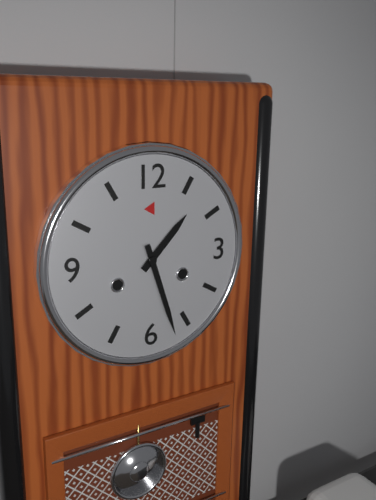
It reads **1:27**
